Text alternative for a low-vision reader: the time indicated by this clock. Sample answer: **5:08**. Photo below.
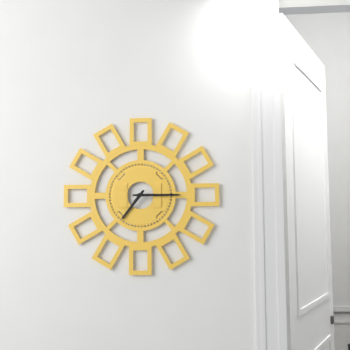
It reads **7:15**
